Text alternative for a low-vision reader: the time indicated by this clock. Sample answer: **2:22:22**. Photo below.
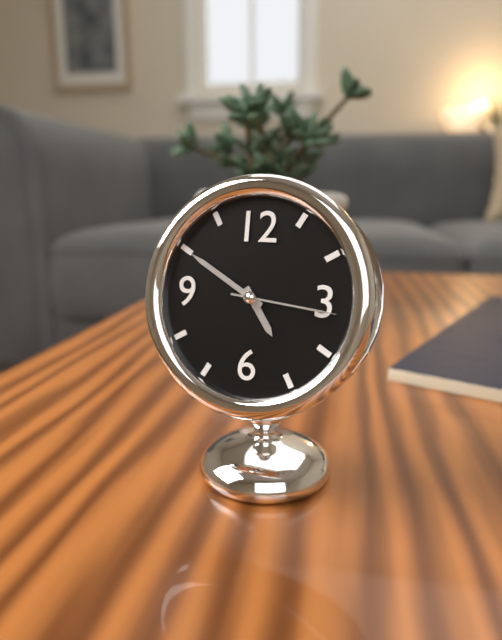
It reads **4:50:16**
